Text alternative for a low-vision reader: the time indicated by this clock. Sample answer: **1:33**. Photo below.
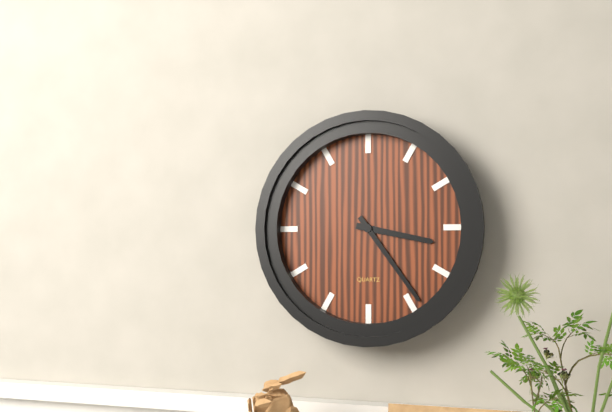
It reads **3:24**
